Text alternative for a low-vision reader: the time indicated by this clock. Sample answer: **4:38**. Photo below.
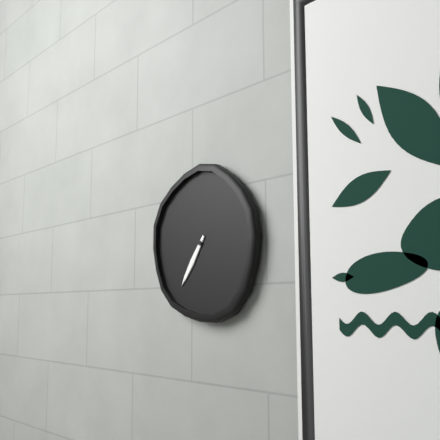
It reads **7:36**
